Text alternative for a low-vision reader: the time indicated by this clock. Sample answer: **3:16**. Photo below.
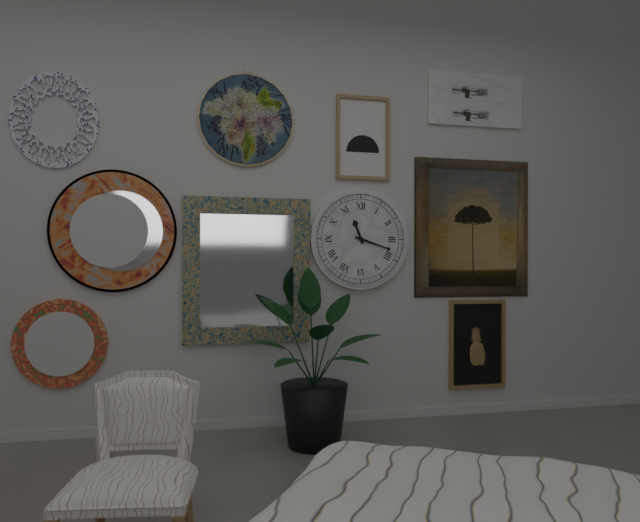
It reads **11:18**
